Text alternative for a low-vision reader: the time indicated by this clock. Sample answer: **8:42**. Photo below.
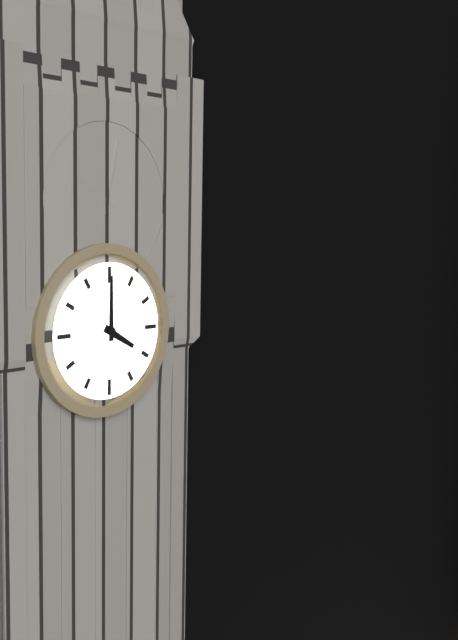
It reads **4:00**
